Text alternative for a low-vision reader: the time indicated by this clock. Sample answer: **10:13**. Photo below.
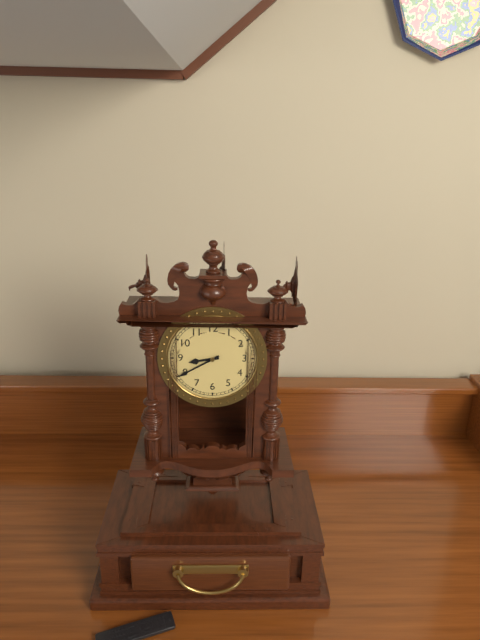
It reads **8:40**
